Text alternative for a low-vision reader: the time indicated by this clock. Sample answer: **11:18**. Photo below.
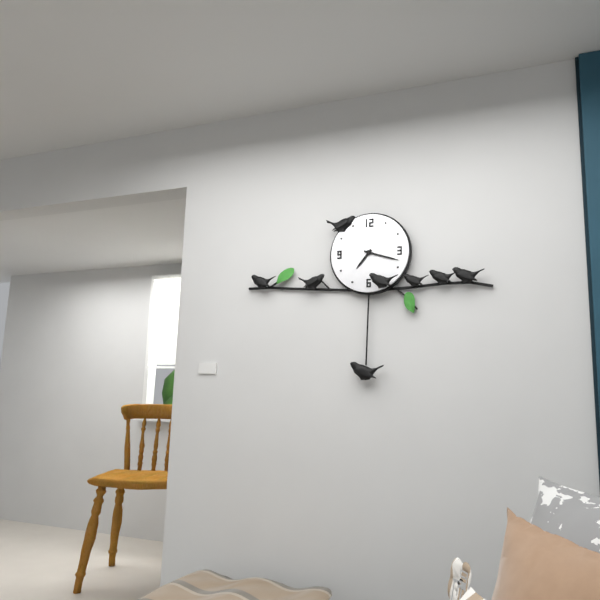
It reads **7:18**
